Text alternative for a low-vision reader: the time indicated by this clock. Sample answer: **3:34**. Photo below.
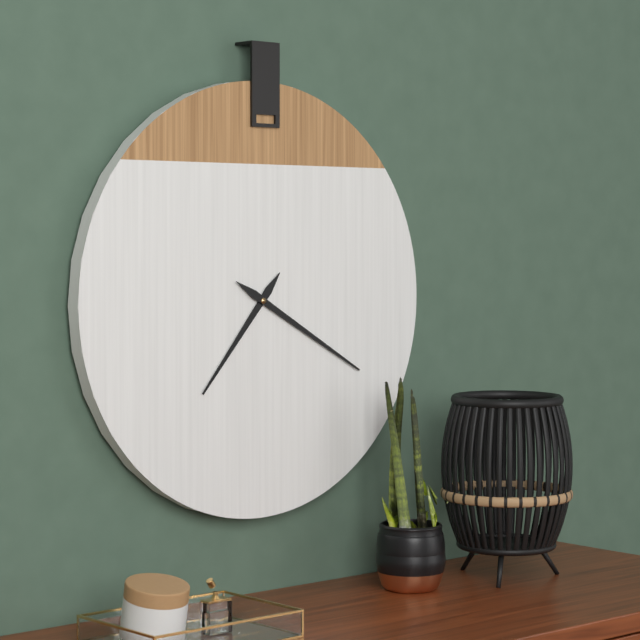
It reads **7:20**
